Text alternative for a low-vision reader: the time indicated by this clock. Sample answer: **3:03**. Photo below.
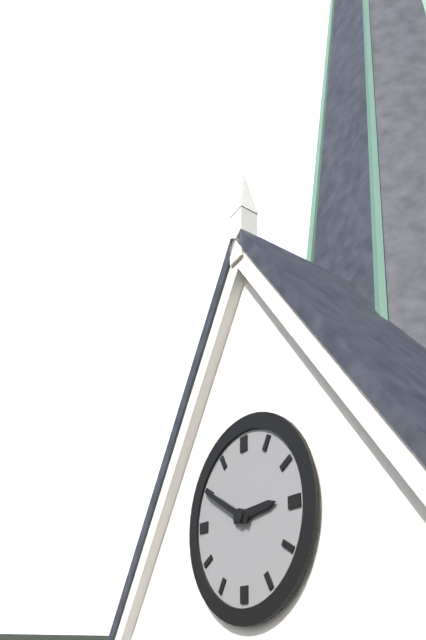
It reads **2:50**
